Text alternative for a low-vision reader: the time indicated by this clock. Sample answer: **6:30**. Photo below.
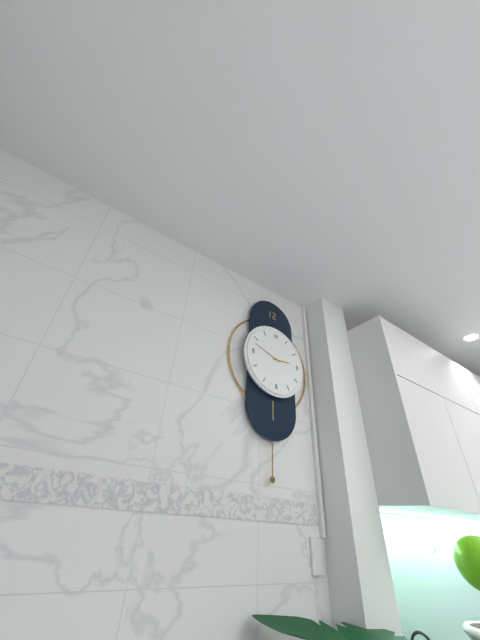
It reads **2:48**
